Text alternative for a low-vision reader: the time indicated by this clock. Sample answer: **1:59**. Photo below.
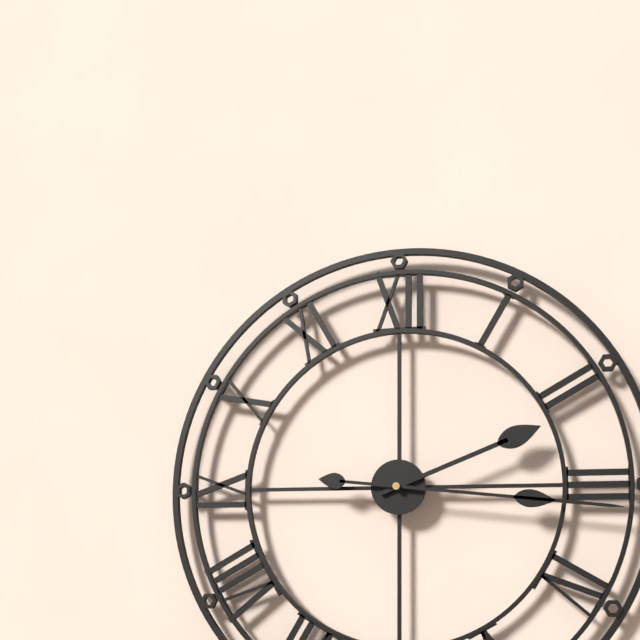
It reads **2:16**
